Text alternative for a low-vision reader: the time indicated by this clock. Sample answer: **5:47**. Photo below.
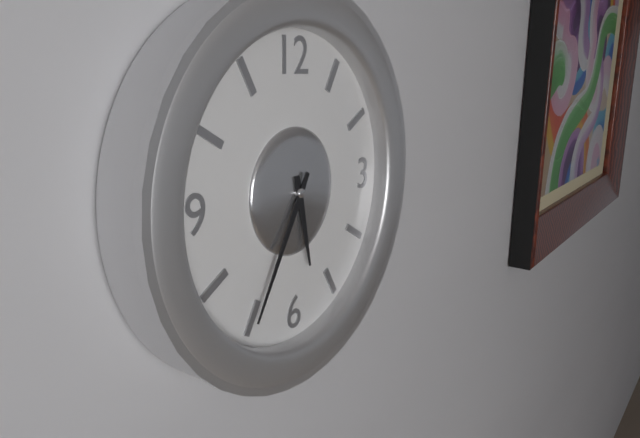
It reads **5:35**
